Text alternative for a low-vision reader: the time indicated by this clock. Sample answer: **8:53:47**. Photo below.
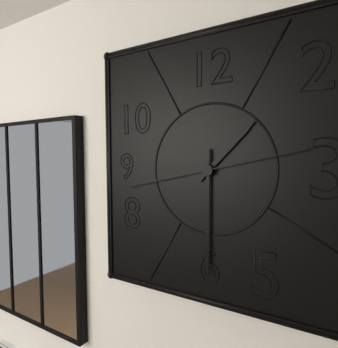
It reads **1:30:43**
